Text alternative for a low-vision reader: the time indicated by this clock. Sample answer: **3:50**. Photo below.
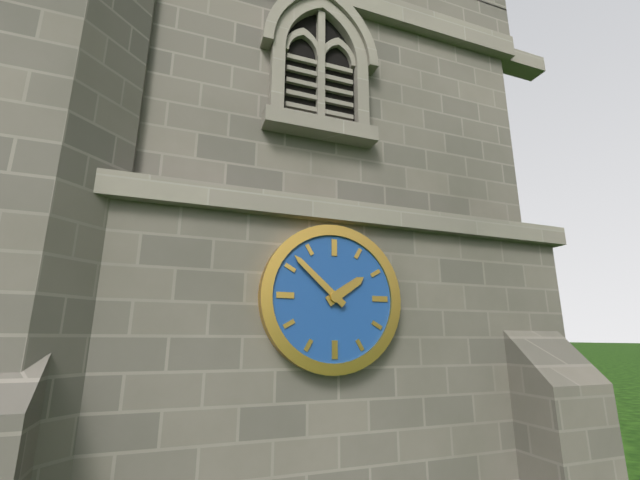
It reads **1:52**
